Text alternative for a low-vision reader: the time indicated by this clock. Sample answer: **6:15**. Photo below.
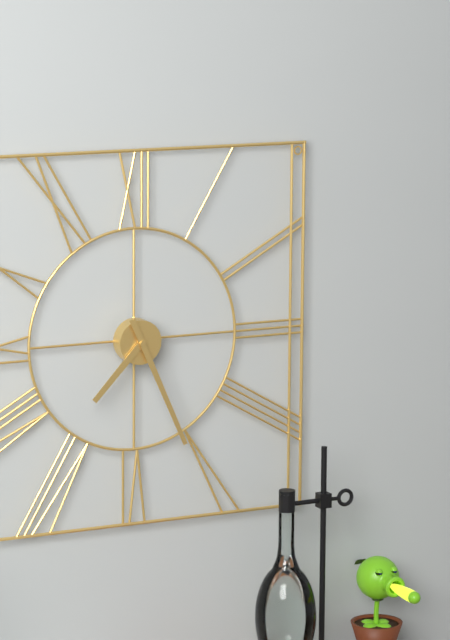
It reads **7:26**
